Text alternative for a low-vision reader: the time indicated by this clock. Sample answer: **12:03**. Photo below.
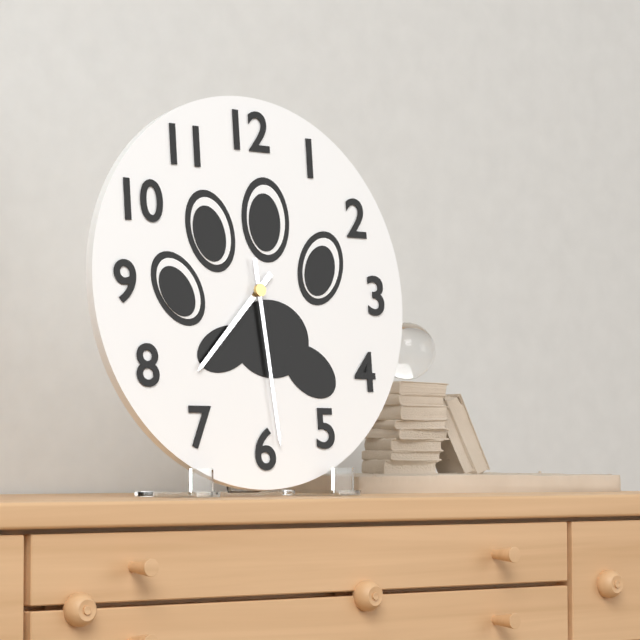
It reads **7:29**
